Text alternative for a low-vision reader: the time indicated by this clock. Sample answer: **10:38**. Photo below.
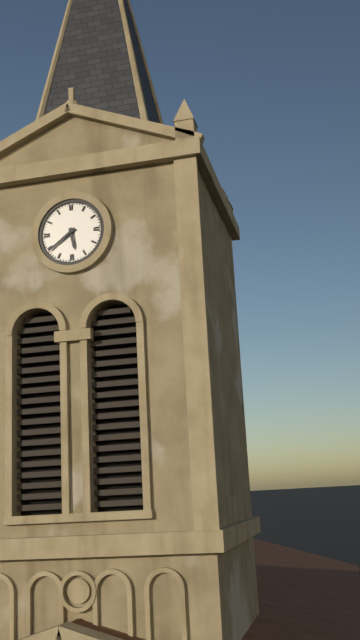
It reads **5:39**
